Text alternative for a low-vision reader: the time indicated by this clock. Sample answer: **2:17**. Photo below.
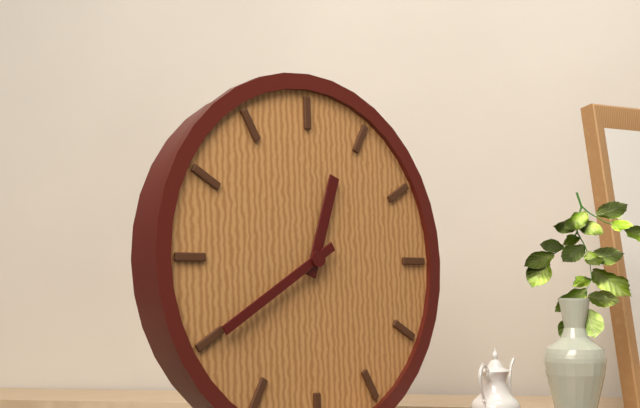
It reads **12:40**
